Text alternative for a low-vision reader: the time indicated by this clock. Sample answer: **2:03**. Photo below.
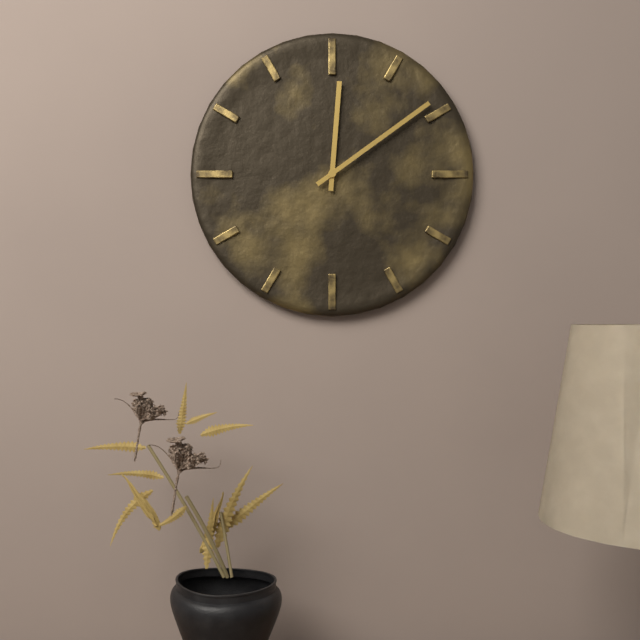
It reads **12:09**
